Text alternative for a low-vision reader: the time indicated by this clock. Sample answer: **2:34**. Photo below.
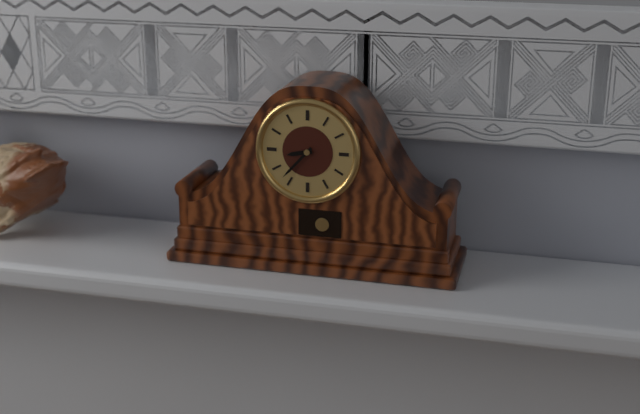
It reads **8:37**
